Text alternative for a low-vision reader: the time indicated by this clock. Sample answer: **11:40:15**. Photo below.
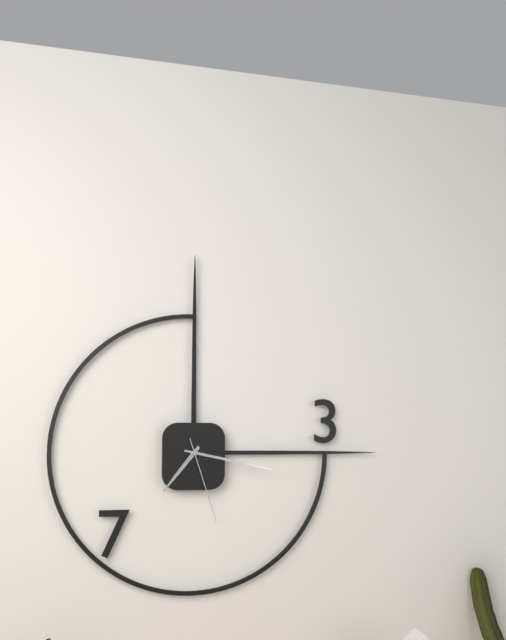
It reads **7:17:27**
